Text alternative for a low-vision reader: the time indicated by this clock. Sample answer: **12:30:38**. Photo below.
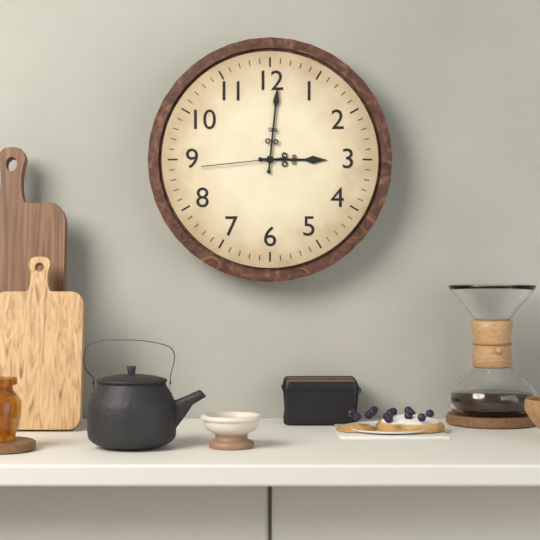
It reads **3:01:44**
